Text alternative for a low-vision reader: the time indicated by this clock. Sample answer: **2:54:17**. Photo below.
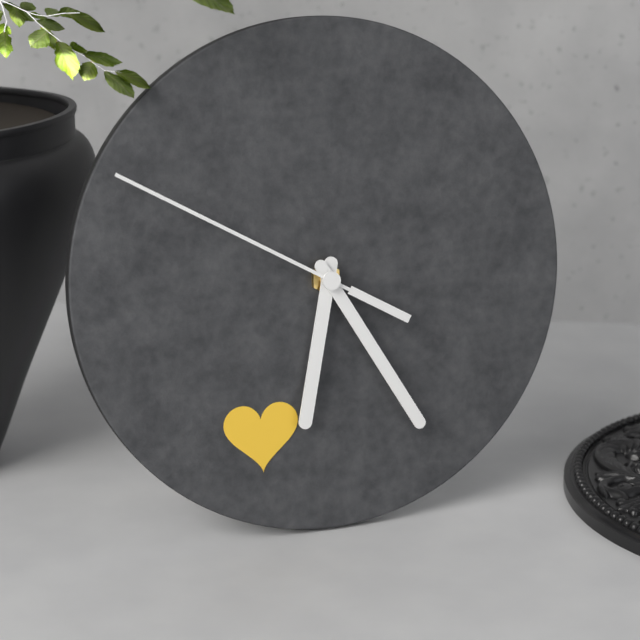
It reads **6:25:50**
